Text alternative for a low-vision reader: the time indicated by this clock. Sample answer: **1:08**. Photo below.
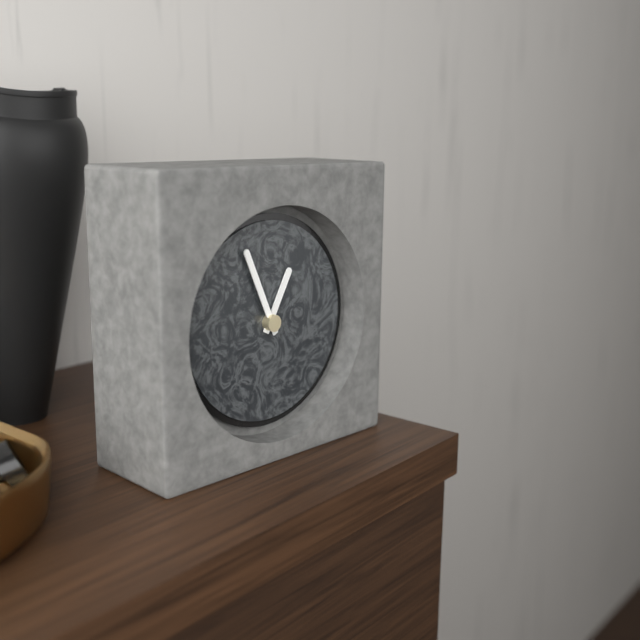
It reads **12:56**
